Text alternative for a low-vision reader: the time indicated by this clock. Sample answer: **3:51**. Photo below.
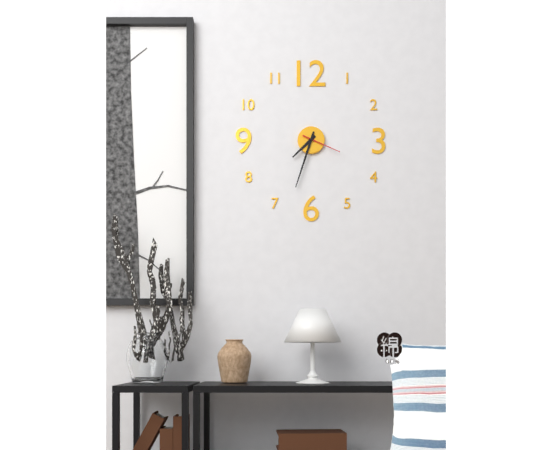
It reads **7:33**
